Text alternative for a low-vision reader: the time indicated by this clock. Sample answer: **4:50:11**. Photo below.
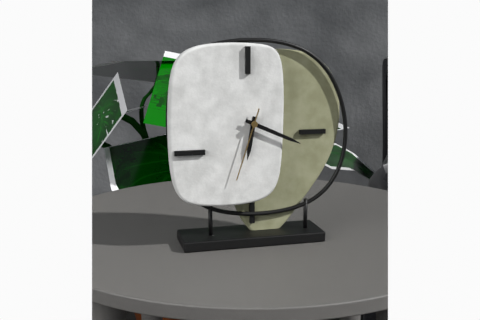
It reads **6:19:33**
